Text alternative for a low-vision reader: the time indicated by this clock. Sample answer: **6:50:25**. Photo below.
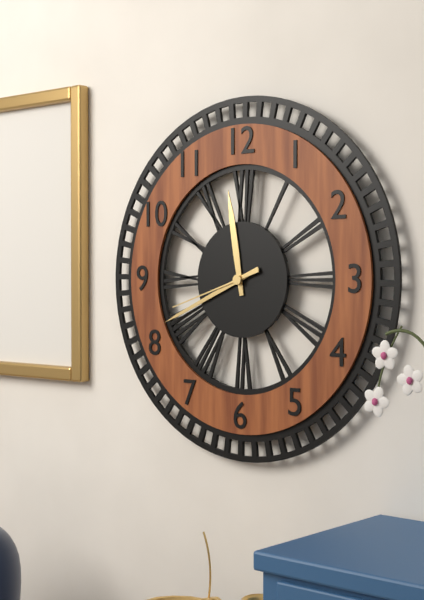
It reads **11:41:42**
